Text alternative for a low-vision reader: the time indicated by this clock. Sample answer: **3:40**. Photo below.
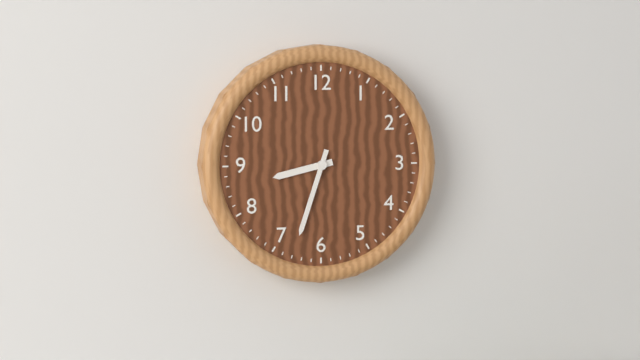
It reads **8:33**
